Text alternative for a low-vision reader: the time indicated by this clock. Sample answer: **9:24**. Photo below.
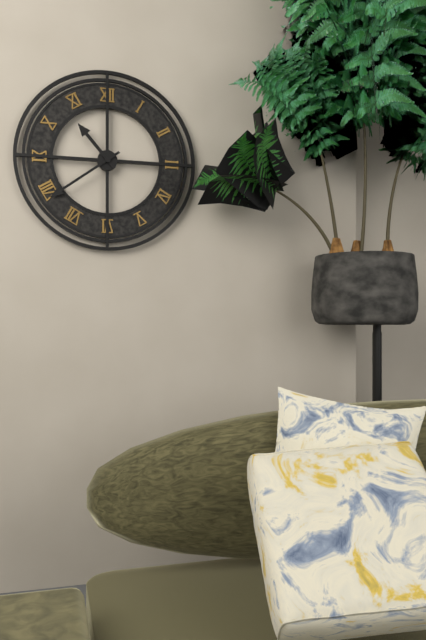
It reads **10:39**
